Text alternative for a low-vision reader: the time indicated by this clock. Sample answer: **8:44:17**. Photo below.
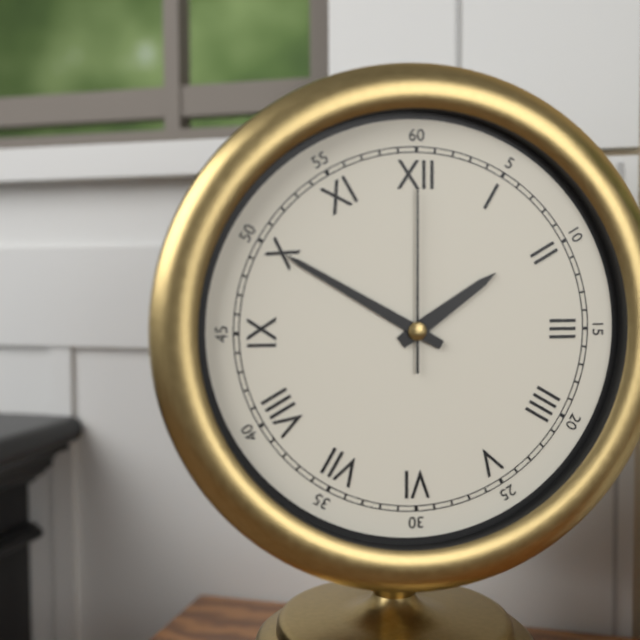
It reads **1:50:00**
